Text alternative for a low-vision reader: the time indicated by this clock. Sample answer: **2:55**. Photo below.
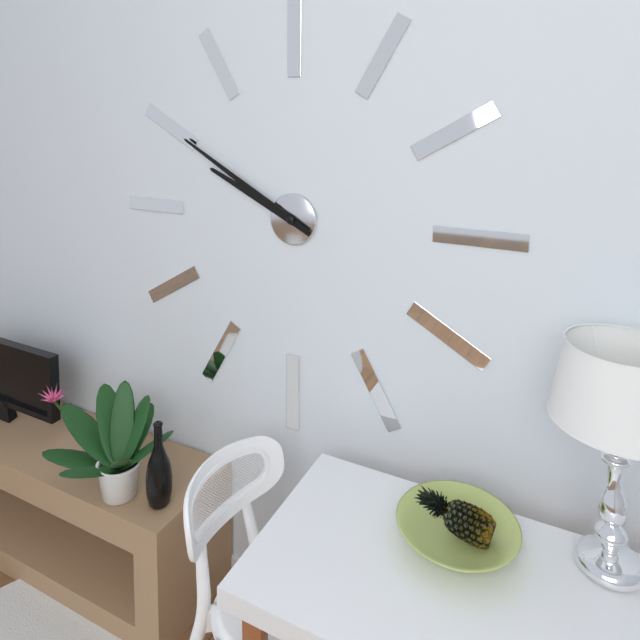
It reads **9:50**
